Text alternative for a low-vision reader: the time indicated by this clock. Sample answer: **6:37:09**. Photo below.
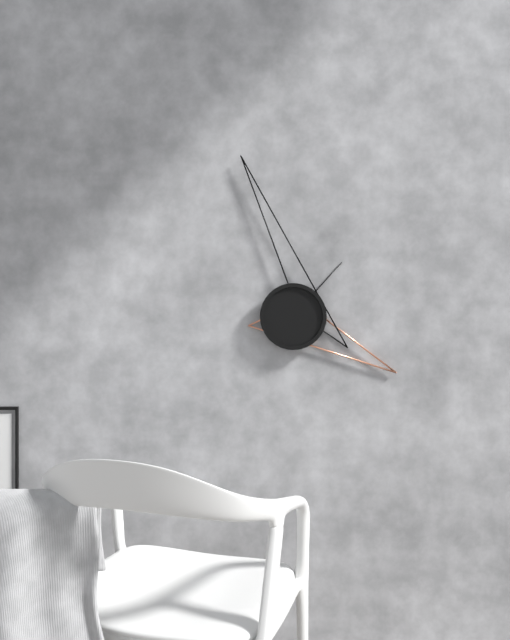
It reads **3:57:07**
